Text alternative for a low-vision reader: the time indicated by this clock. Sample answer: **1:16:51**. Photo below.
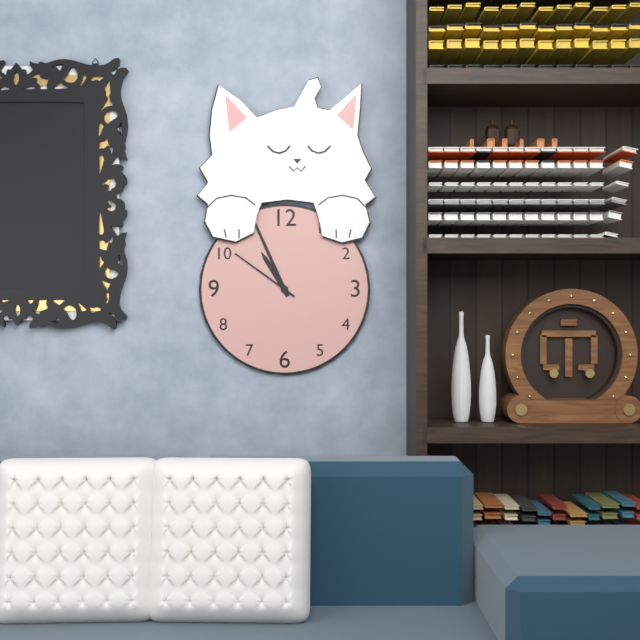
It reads **10:56:51**
